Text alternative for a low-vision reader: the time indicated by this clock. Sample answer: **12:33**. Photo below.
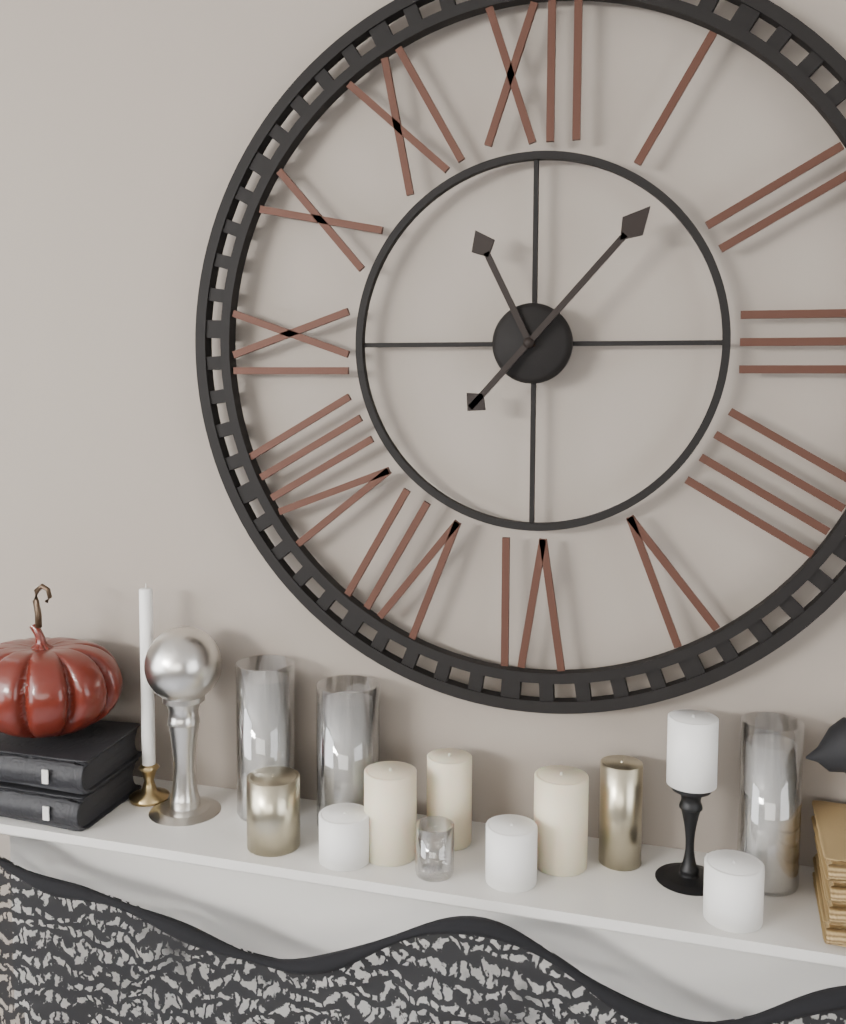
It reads **11:07**
